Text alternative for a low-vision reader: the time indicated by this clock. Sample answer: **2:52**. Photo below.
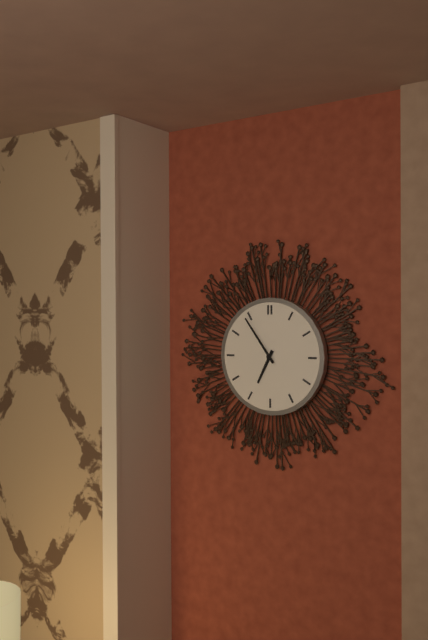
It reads **6:54**
